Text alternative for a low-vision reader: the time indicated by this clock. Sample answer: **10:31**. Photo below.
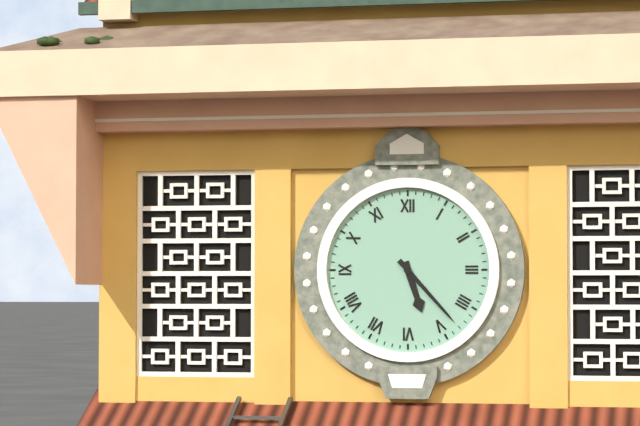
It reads **5:23**
